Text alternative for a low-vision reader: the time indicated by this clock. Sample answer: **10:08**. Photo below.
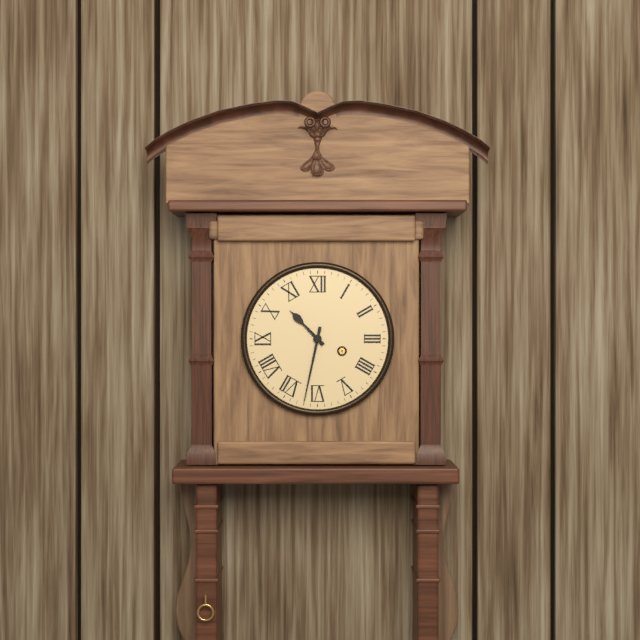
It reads **10:32**
